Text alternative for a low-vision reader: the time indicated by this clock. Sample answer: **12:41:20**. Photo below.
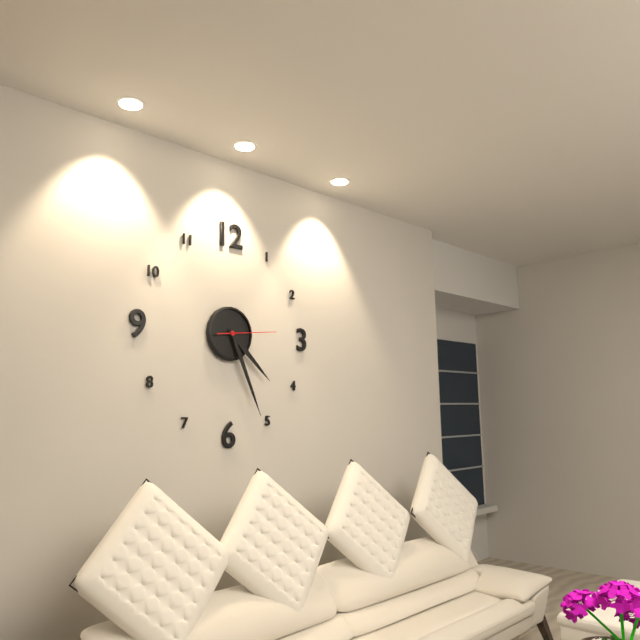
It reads **4:26:14**
